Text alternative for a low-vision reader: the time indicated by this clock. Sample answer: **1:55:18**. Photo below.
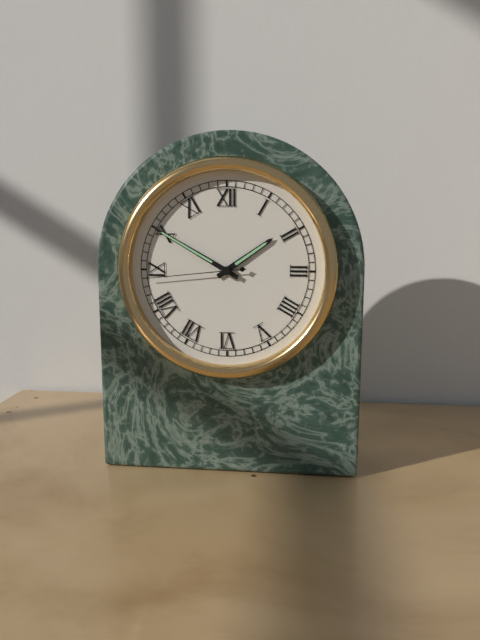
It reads **1:50:44**
